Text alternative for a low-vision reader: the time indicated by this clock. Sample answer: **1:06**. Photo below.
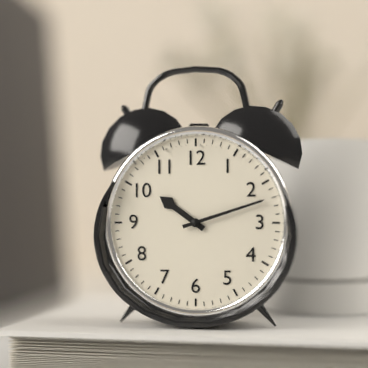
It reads **10:12**
